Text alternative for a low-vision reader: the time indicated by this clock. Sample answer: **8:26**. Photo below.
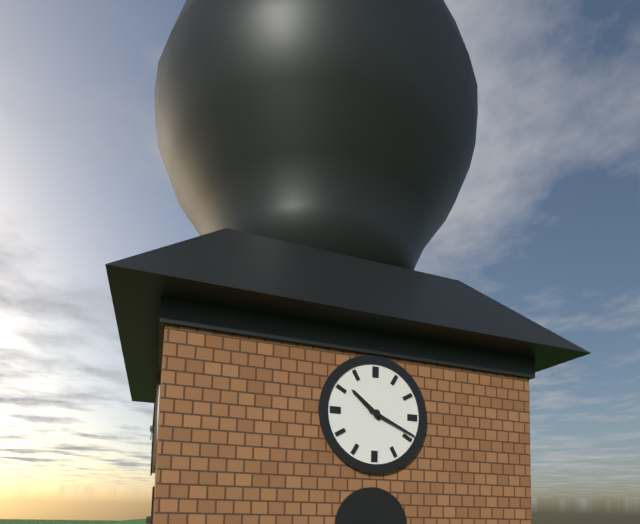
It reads **10:19**
